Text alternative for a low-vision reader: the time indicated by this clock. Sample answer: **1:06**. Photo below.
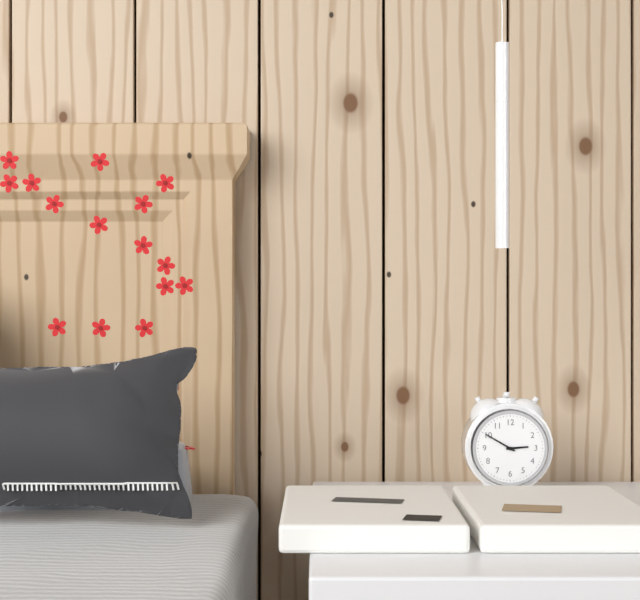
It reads **2:50**
